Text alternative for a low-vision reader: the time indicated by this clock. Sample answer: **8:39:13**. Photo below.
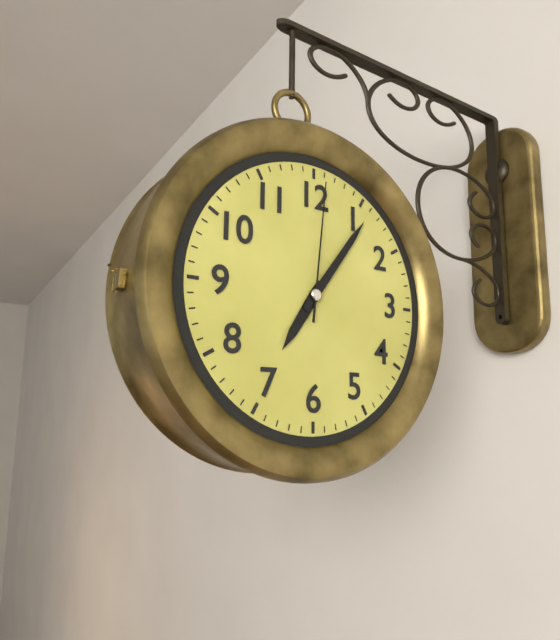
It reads **7:06:01**
